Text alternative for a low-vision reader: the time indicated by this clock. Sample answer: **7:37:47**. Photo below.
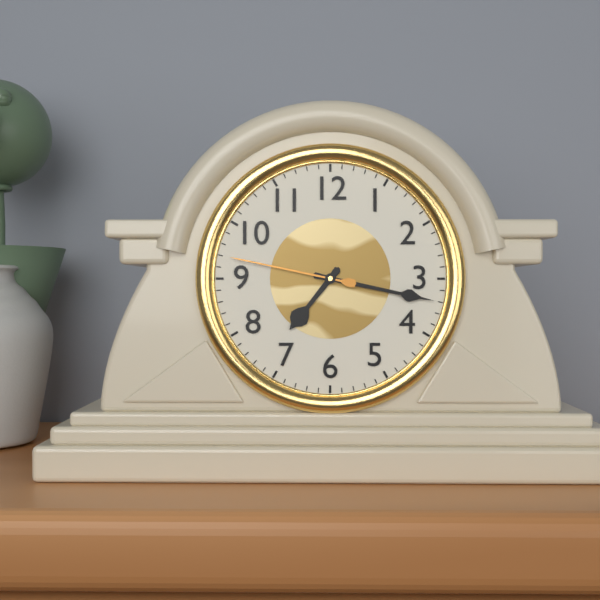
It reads **7:17:47**
